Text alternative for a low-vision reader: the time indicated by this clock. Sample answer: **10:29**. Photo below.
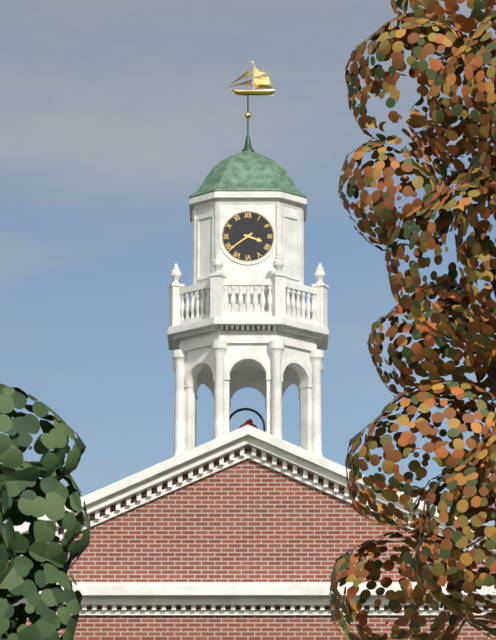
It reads **3:39**
